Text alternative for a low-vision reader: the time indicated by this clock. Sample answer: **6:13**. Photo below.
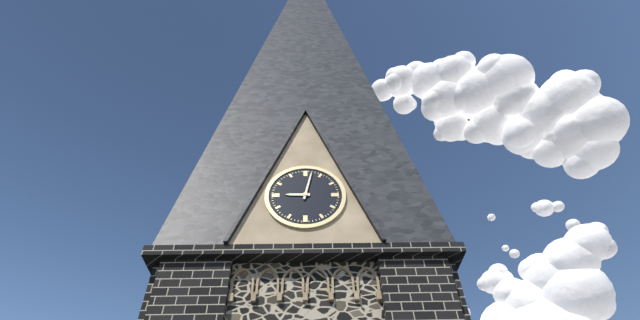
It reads **9:02**
